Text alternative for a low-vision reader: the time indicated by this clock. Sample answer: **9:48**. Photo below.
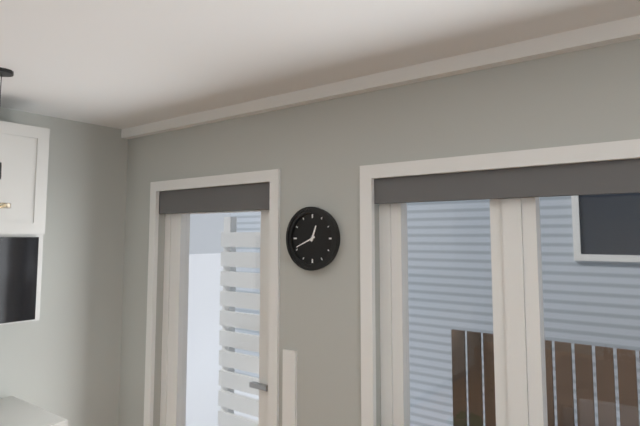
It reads **12:41**
